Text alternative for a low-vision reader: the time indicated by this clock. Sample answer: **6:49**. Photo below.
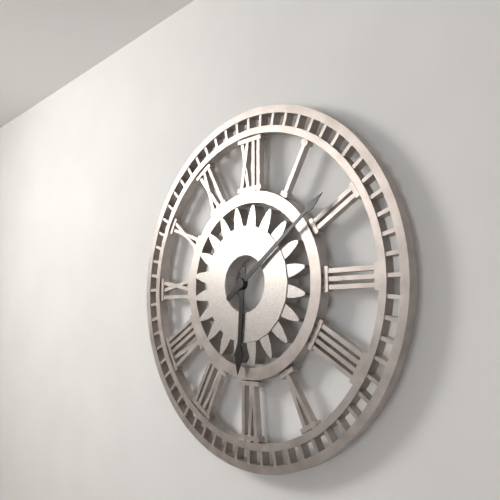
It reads **6:09**
